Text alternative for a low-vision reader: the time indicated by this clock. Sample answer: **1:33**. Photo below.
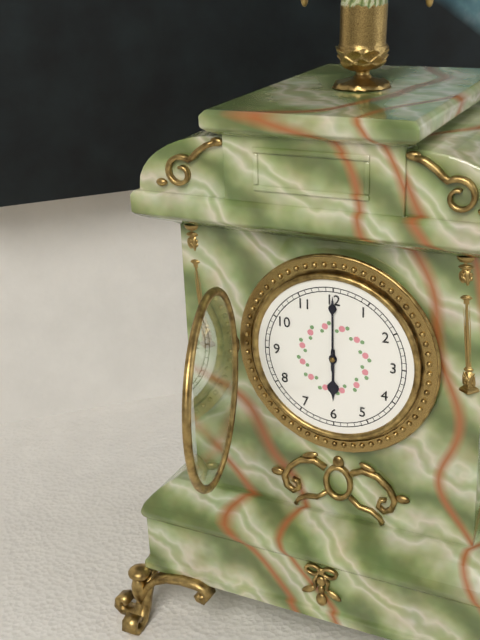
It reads **6:00**
